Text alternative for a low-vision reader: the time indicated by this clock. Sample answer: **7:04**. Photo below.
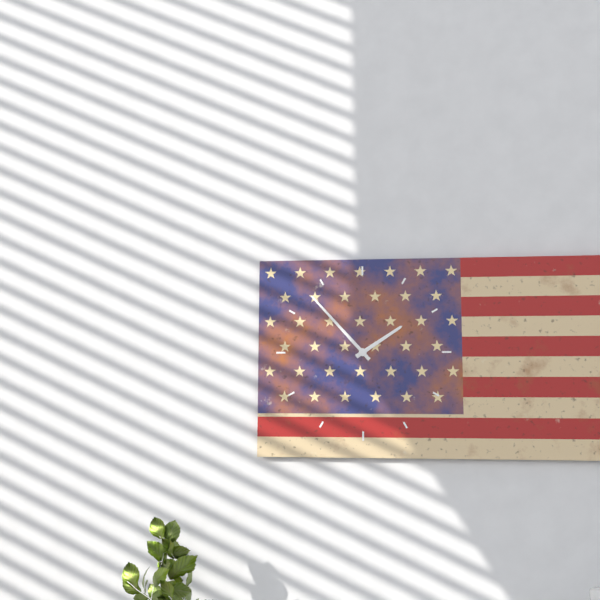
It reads **1:53**
